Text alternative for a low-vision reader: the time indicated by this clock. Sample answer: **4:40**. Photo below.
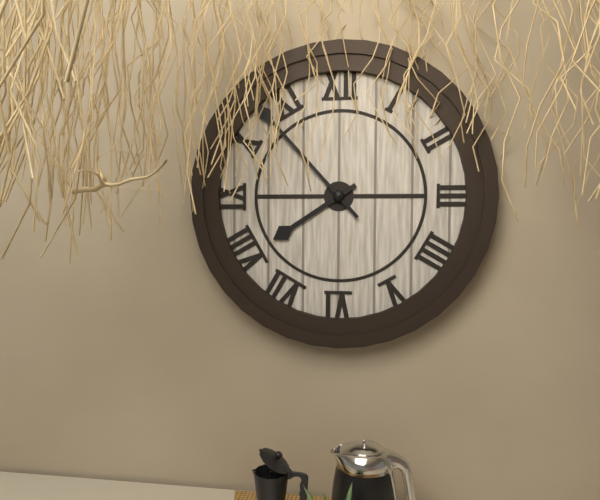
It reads **7:53**
